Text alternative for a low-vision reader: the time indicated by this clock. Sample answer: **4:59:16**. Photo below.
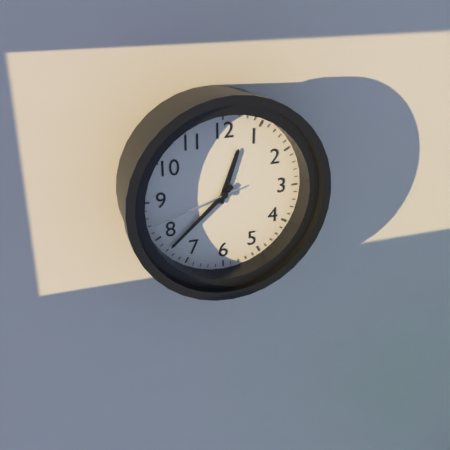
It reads **12:38:42**
